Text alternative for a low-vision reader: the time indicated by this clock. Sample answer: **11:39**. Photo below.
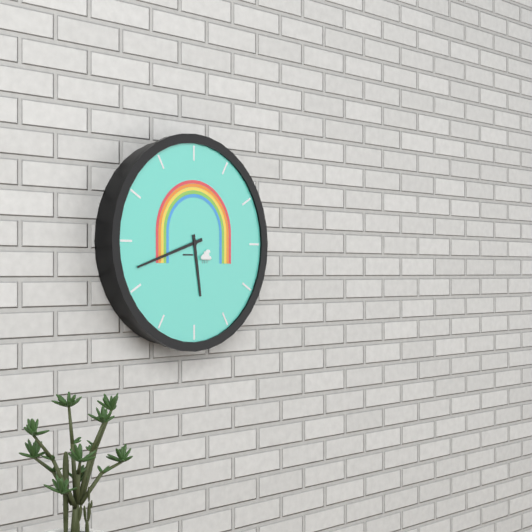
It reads **5:42**
